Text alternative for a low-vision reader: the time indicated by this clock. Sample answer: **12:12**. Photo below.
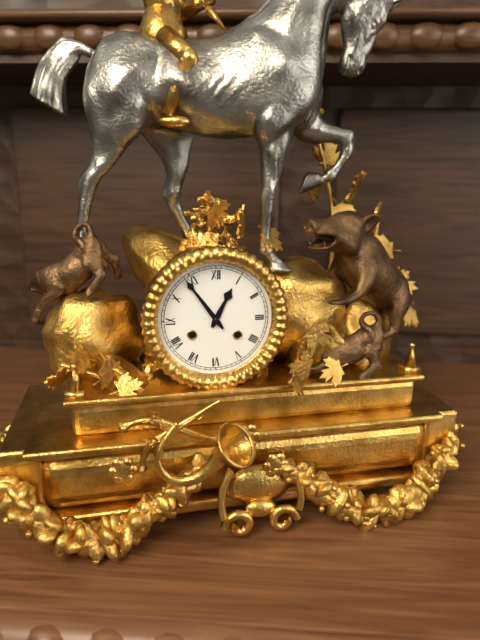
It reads **12:54**
